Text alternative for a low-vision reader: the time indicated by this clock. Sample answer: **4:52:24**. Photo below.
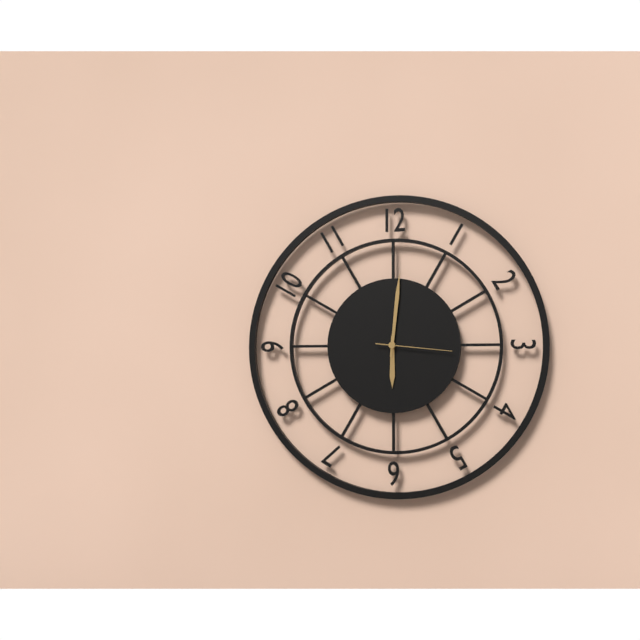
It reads **6:01:16**
